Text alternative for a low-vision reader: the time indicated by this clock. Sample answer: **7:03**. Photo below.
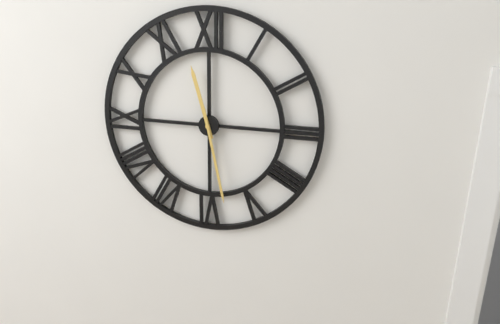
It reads **11:28**
